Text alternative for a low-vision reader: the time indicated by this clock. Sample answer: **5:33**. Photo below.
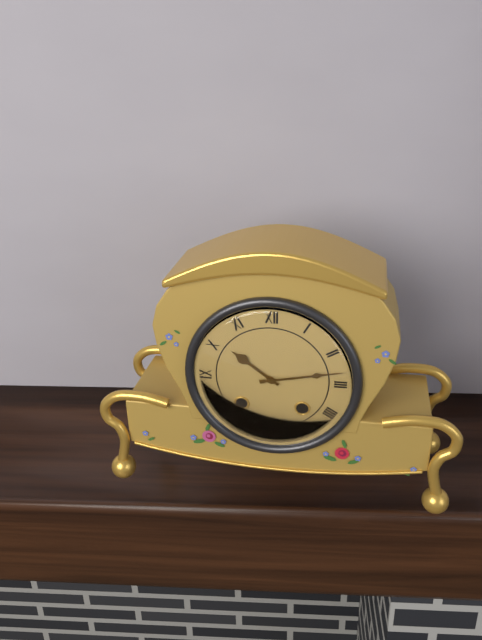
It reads **10:13**
